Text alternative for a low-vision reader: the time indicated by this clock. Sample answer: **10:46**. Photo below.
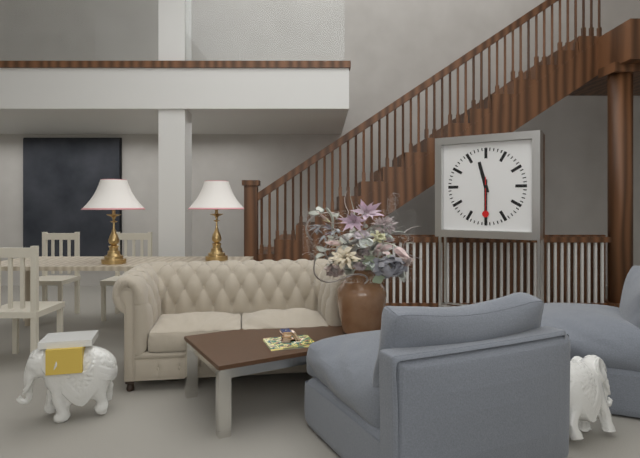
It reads **11:30**
